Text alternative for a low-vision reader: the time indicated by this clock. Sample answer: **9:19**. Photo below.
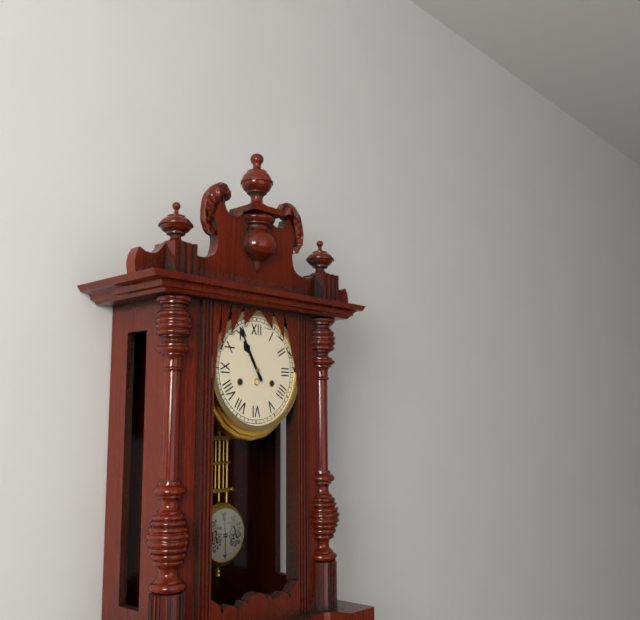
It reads **10:55**
